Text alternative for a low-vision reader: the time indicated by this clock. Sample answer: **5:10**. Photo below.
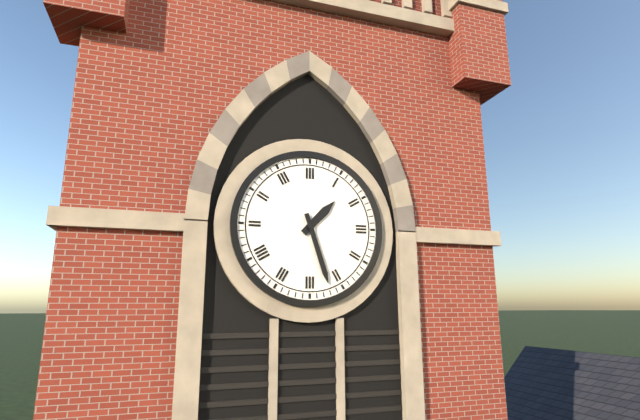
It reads **1:27**
